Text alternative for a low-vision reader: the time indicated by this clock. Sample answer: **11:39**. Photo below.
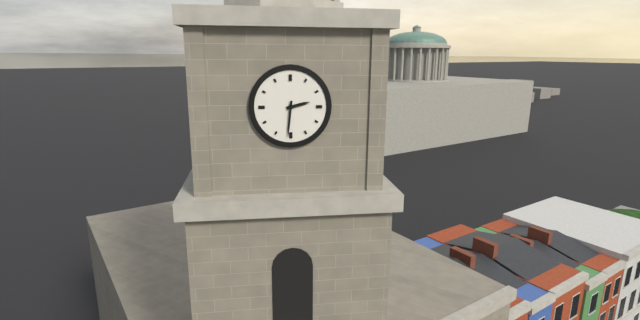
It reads **2:31**
